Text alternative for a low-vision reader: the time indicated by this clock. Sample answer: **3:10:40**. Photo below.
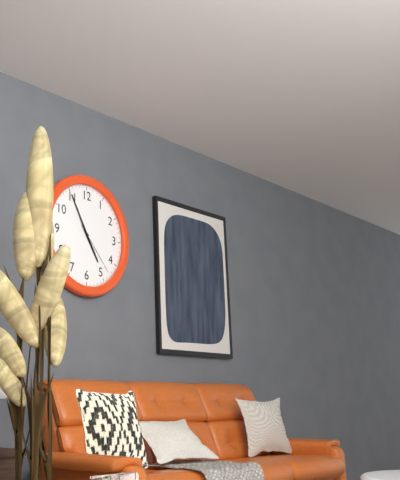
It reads **4:55:23**
